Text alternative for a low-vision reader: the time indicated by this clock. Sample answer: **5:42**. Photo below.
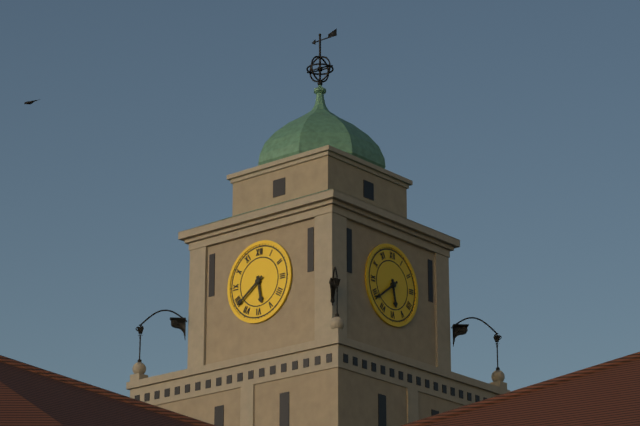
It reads **5:39**
